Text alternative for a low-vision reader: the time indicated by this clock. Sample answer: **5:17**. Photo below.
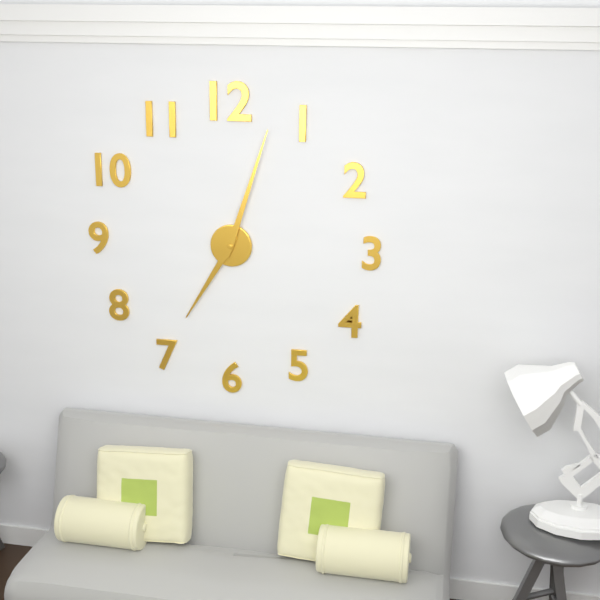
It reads **7:03**
